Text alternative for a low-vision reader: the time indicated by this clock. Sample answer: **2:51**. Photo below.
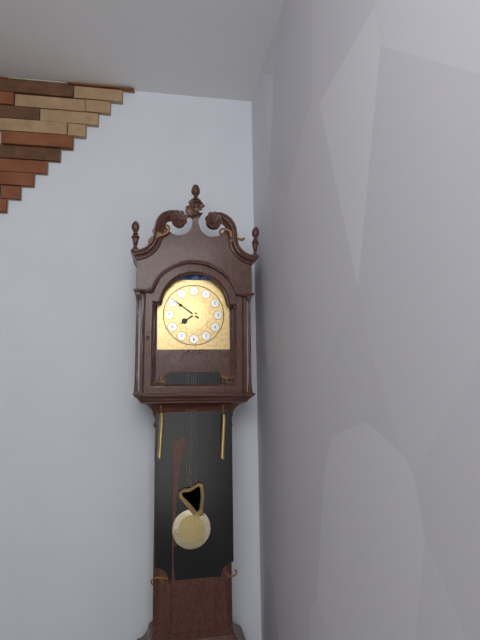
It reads **7:51**
